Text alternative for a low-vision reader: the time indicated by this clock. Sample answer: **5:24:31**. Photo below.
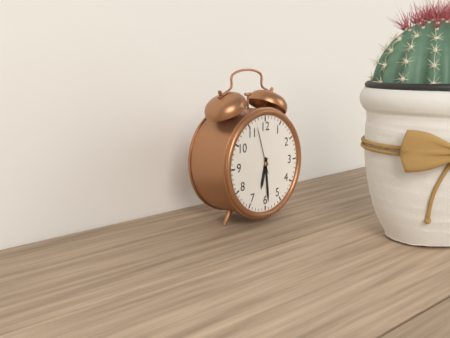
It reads **6:29:57**
